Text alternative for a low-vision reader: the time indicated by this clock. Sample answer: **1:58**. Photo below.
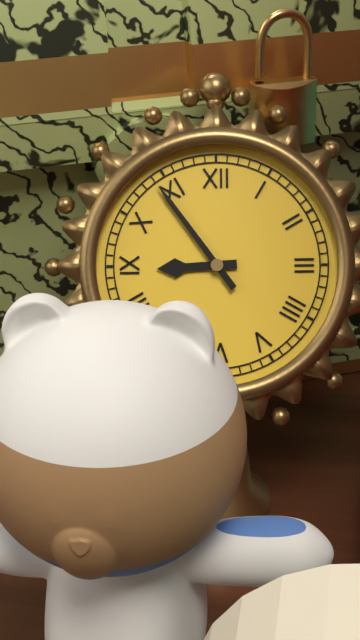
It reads **8:54**
